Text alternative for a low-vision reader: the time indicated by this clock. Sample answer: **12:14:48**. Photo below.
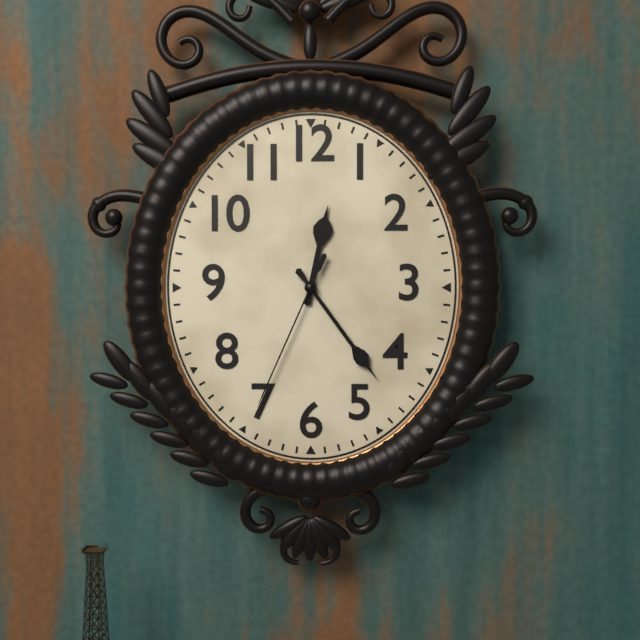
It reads **12:24:34**
